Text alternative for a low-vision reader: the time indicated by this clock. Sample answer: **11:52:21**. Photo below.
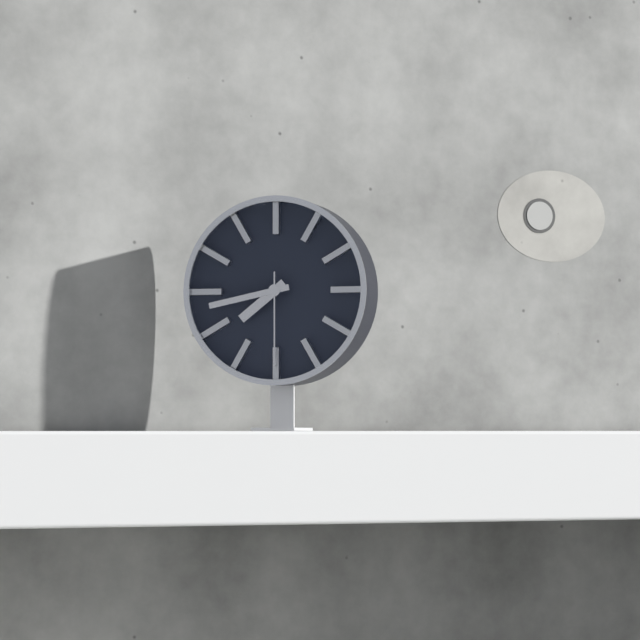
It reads **7:43:30**
